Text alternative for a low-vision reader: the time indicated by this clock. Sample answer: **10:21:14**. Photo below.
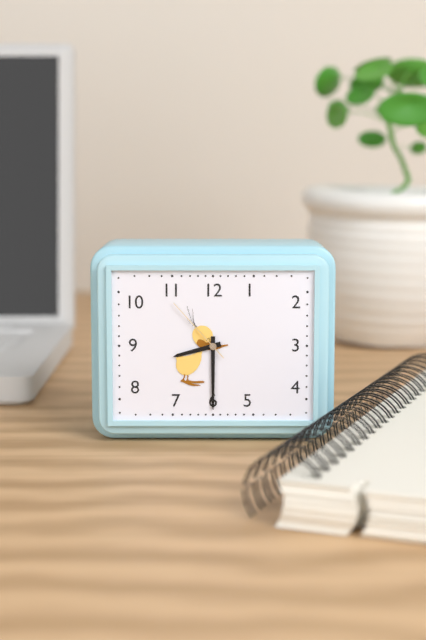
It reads **8:30:53**
